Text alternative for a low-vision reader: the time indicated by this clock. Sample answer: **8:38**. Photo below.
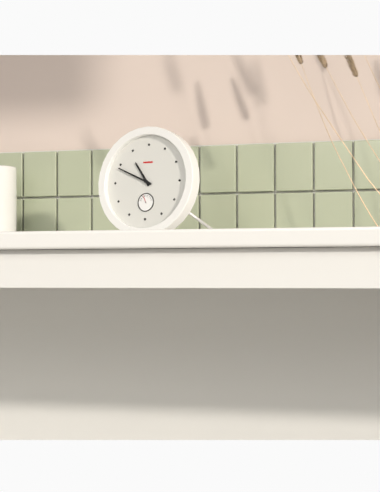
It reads **10:49**
